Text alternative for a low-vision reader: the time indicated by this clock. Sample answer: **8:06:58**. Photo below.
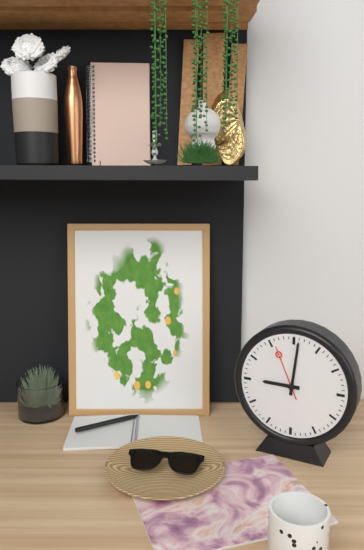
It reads **9:01:56**
